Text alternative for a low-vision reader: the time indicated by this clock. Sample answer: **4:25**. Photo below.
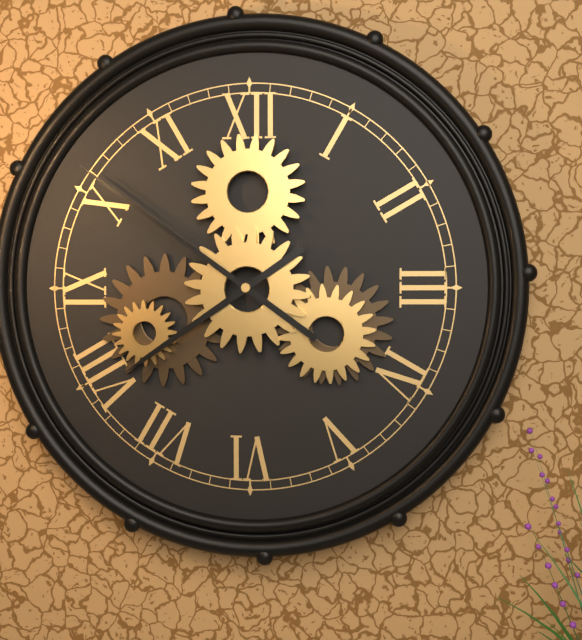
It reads **7:51**
